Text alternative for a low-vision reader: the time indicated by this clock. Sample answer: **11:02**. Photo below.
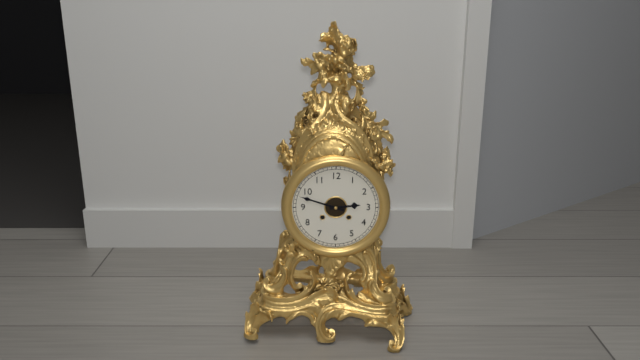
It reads **2:48**
